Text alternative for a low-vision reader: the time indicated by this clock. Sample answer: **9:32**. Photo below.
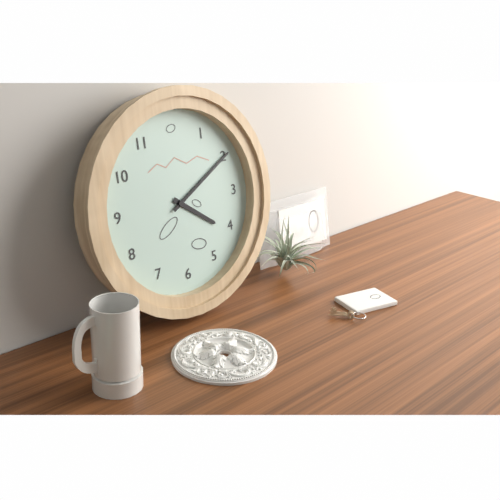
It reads **4:10**
